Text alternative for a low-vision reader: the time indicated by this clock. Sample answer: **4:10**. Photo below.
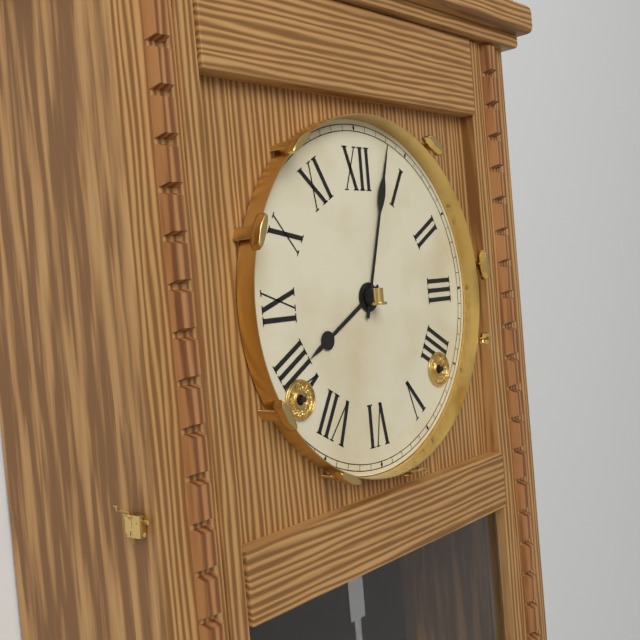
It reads **8:03**
